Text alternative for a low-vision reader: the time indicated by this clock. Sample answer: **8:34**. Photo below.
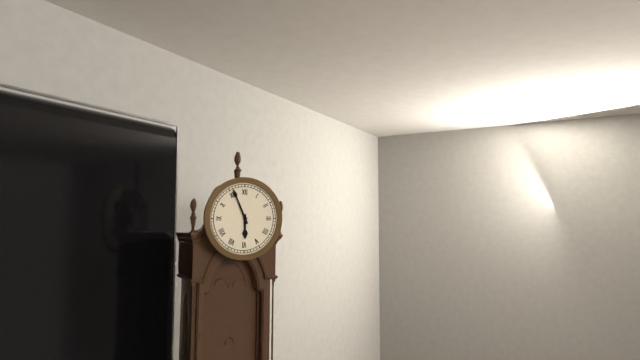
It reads **5:56**
